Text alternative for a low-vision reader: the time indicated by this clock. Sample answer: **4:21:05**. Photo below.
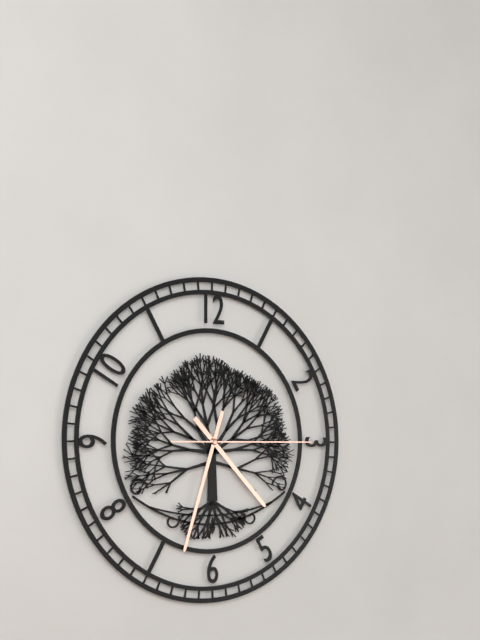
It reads **4:33:15**
